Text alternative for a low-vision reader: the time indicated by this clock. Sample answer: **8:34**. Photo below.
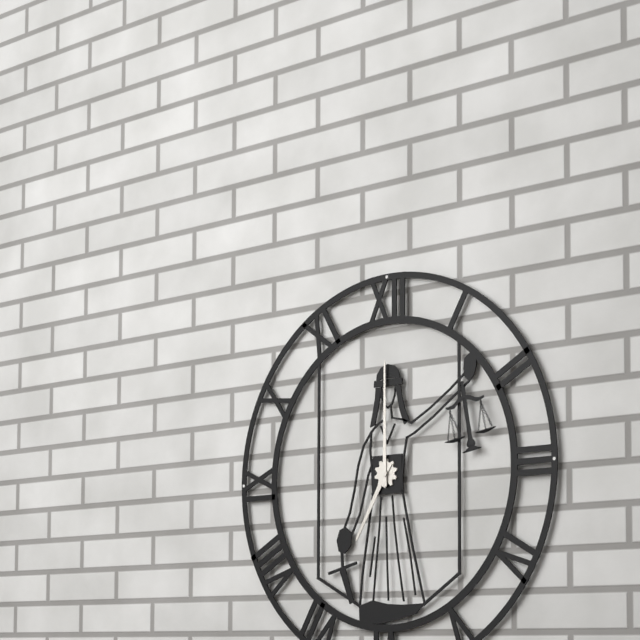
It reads **7:00**
